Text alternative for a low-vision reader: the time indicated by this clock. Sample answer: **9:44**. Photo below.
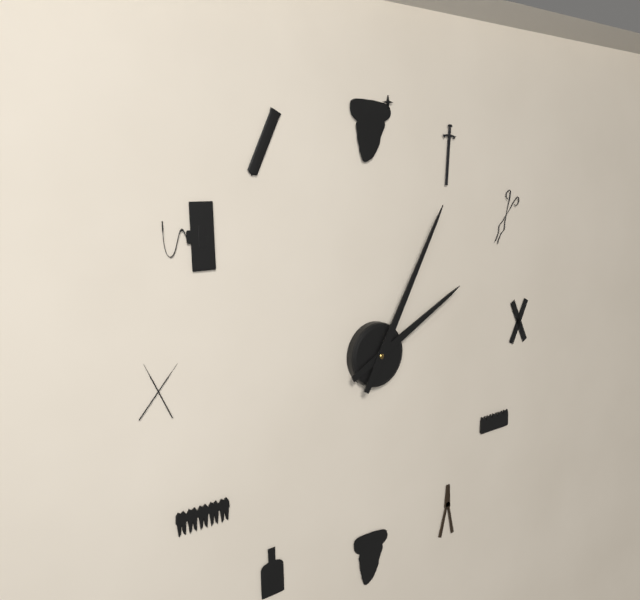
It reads **2:05**
